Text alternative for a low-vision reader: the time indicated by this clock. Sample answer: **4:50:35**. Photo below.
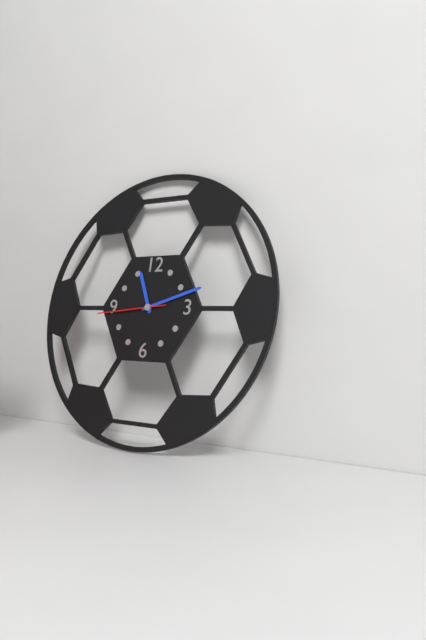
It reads **11:12:44**
